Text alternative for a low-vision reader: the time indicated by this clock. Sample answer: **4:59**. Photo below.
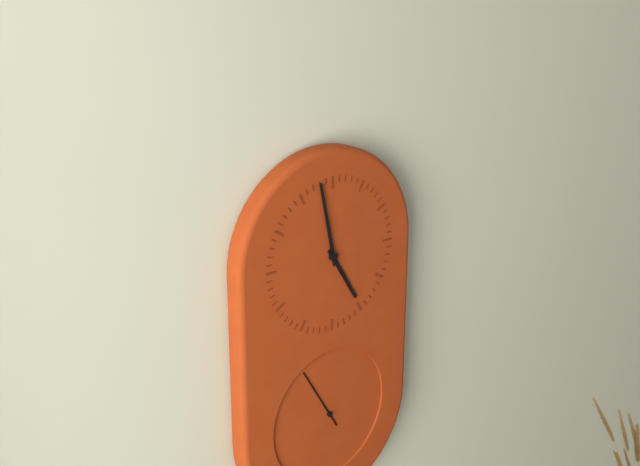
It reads **4:58**
